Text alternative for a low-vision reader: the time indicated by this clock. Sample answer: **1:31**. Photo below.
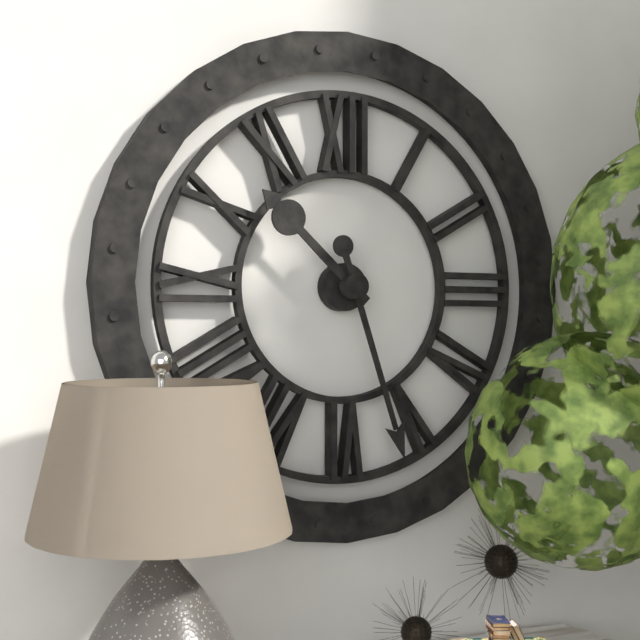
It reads **10:27**
